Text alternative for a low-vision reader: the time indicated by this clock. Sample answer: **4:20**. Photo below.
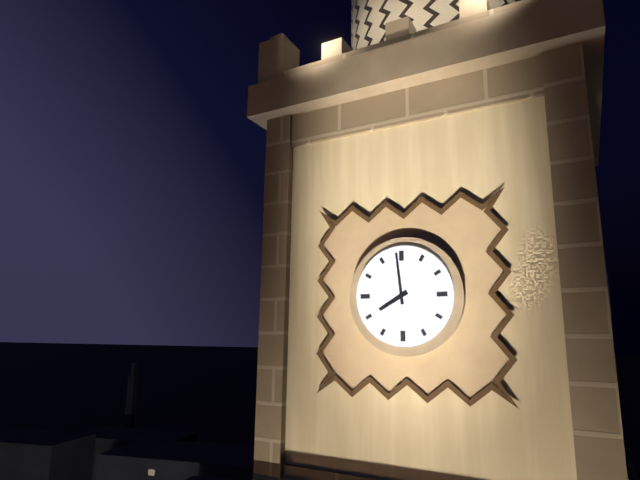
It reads **7:59**
